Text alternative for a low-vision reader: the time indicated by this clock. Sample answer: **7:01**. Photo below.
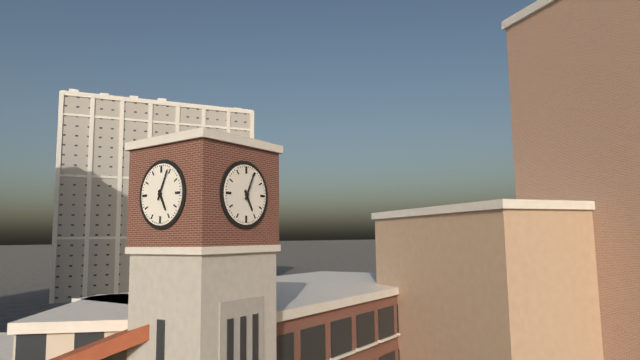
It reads **5:04**
